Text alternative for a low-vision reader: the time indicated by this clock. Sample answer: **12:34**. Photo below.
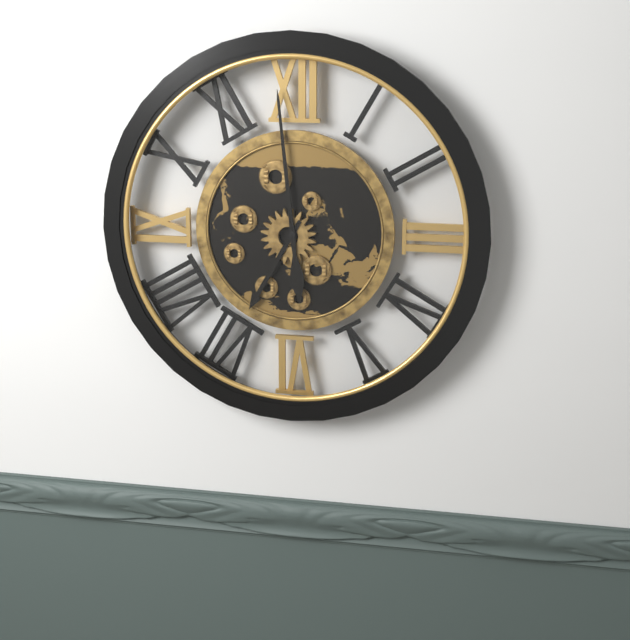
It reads **6:59**
